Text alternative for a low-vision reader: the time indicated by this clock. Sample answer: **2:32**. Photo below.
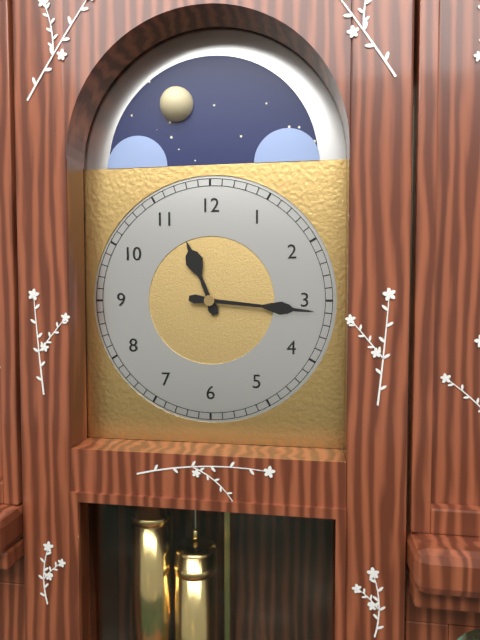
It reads **11:16**
